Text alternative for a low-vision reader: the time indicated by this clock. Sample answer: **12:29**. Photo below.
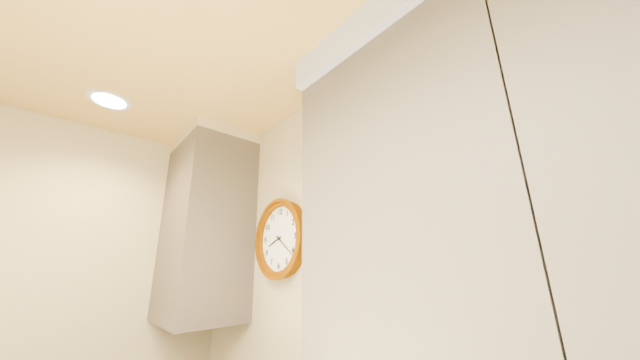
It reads **8:21**
